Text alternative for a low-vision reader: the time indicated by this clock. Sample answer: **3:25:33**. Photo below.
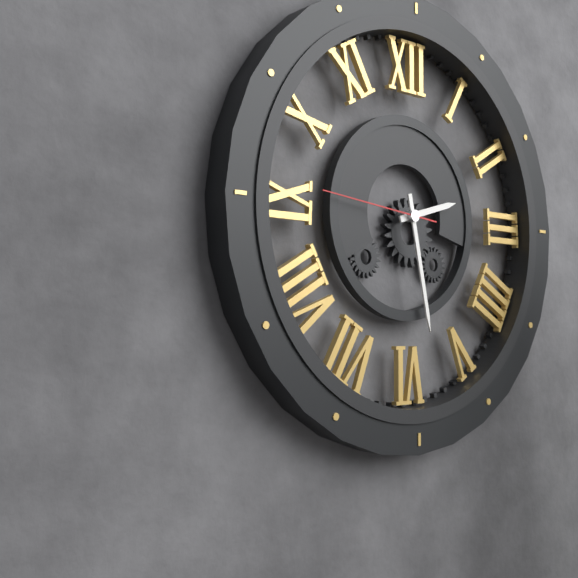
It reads **2:28:46**
